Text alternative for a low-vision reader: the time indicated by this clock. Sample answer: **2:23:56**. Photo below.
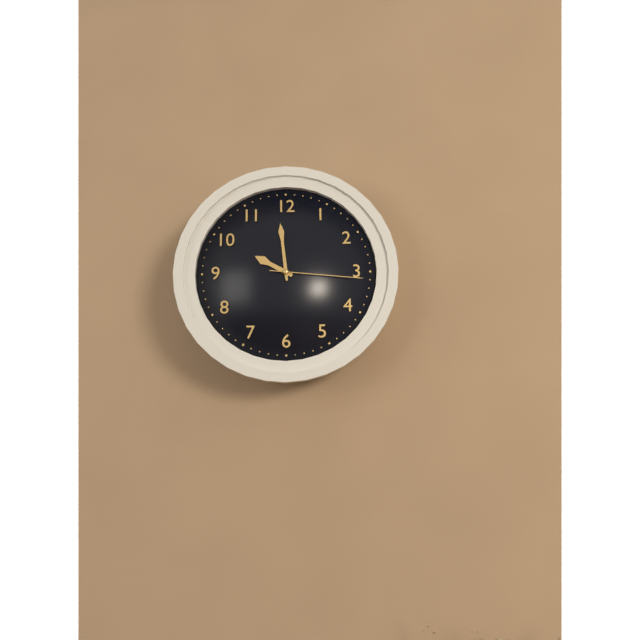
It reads **9:59:16**
